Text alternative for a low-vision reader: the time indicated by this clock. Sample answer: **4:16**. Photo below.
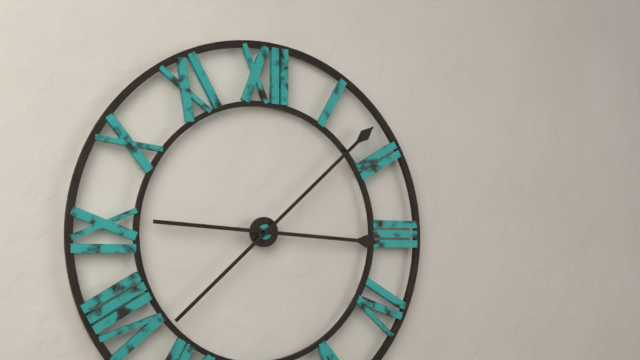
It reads **3:08**
